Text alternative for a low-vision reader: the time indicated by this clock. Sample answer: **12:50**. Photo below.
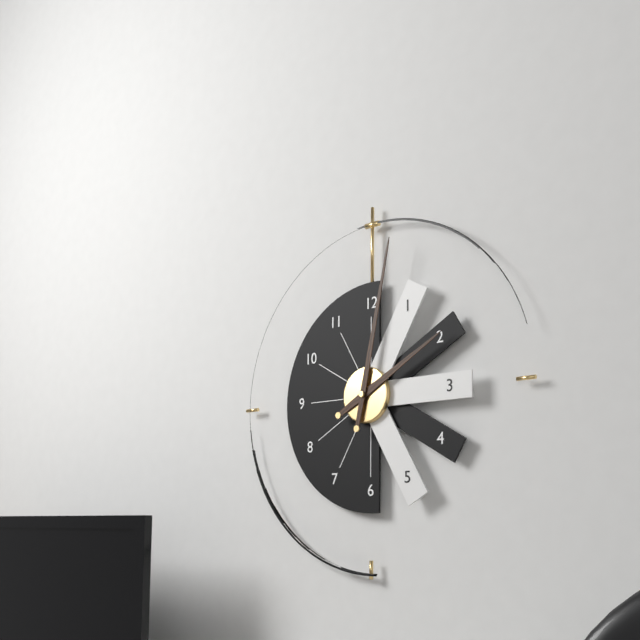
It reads **2:02**
